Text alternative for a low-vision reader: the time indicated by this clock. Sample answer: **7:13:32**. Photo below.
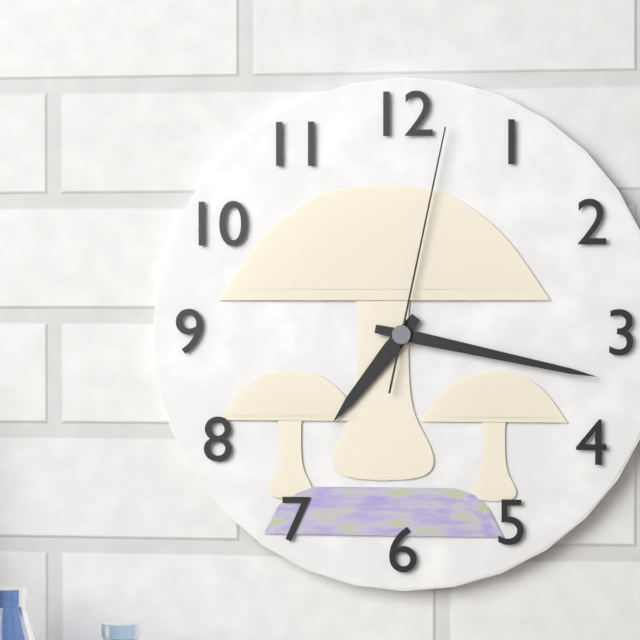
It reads **7:17:02**
